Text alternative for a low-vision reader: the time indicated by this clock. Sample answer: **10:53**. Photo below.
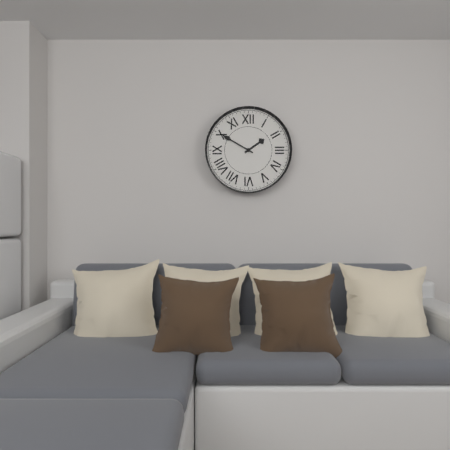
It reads **1:50**
